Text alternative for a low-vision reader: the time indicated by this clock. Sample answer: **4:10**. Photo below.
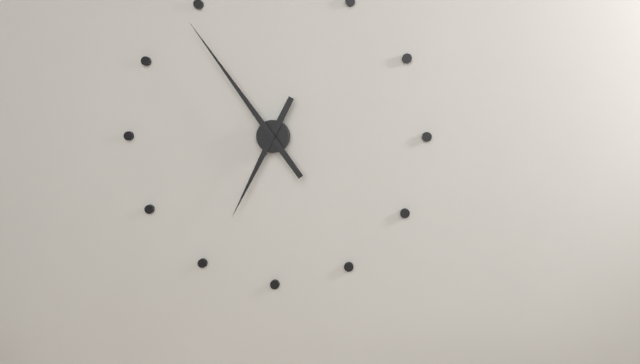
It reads **6:54**
